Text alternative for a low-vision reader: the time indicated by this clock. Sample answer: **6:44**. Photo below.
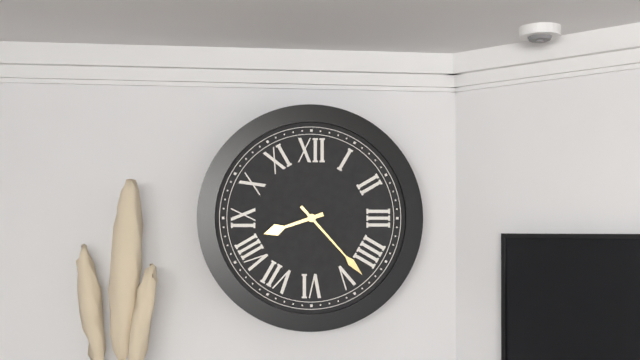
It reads **8:23**
